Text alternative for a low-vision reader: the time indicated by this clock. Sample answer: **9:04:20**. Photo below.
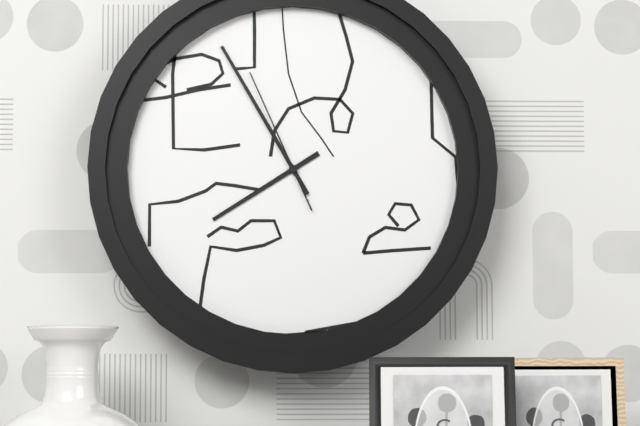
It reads **7:55:56**
